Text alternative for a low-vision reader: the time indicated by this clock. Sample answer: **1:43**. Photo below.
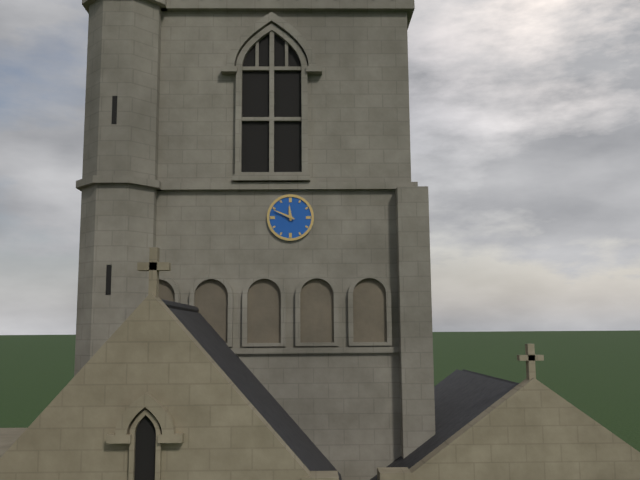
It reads **11:49**
